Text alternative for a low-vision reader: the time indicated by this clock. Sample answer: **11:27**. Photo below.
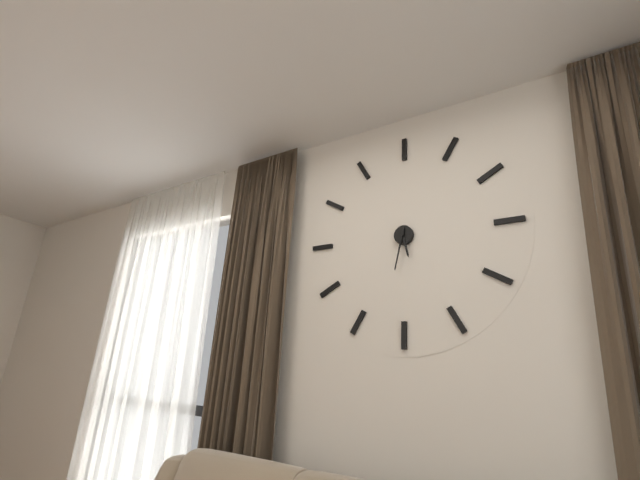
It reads **5:32**
